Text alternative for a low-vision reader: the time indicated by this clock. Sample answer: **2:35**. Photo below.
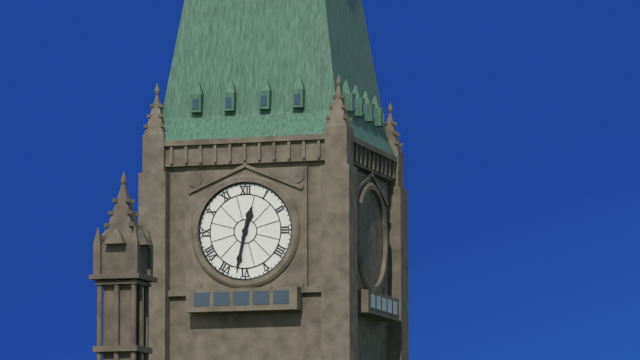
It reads **12:32**
